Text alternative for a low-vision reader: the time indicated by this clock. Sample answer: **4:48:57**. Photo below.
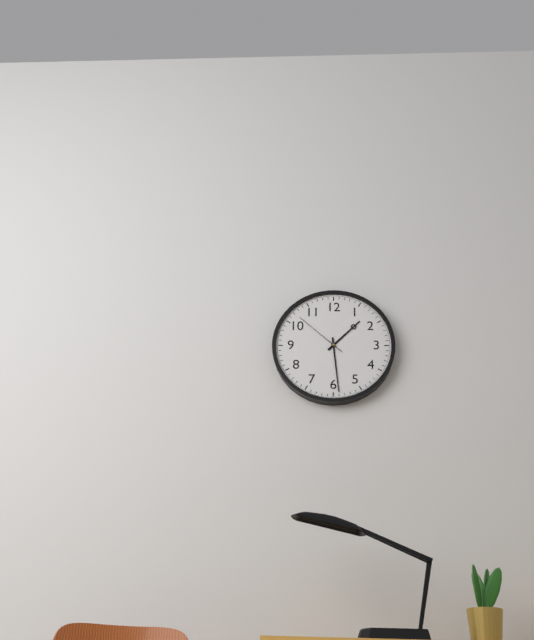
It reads **1:29:52**
